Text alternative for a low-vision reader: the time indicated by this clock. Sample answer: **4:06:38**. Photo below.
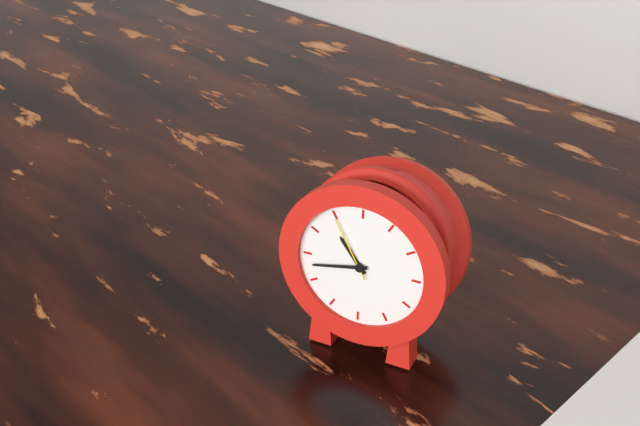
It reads **10:43:55**
